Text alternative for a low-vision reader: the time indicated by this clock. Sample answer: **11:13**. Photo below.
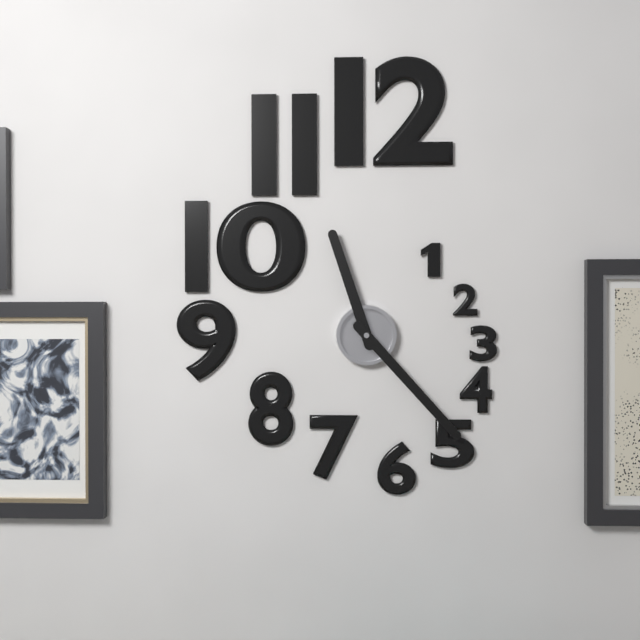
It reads **11:23**
